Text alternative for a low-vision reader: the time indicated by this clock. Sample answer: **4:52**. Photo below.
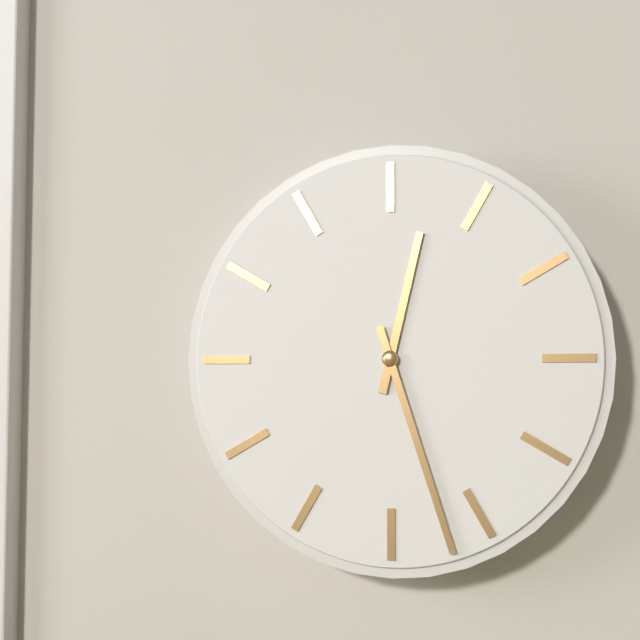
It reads **12:27**
